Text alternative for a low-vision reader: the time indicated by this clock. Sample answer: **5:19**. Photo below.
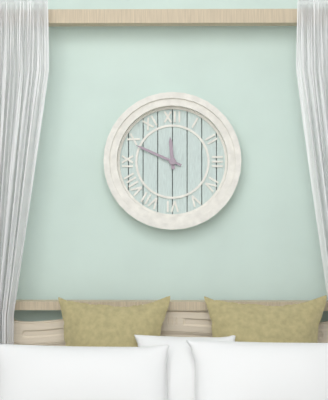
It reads **11:49**
